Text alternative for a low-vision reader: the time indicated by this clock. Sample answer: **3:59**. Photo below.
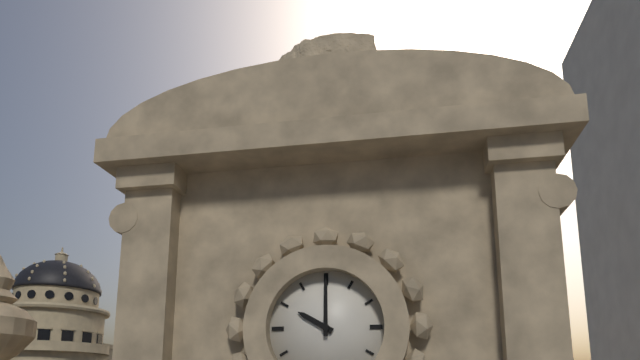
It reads **10:00**
